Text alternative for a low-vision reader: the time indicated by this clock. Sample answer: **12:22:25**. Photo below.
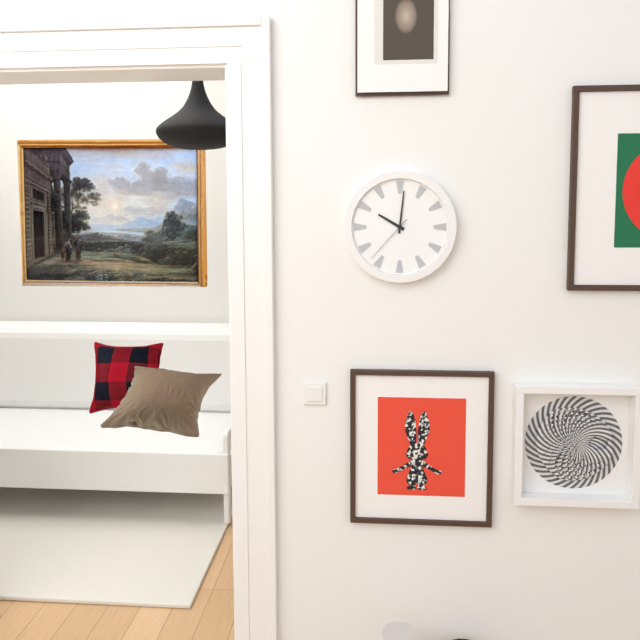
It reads **10:01:37**
